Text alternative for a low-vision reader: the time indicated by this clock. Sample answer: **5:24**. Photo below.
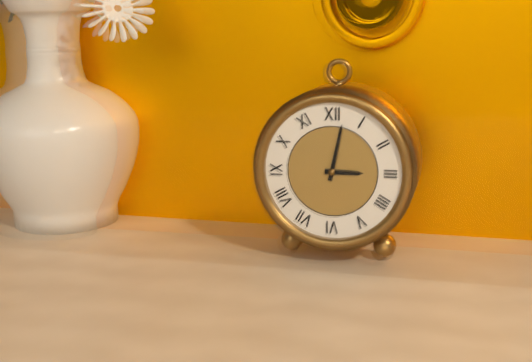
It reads **3:02**
